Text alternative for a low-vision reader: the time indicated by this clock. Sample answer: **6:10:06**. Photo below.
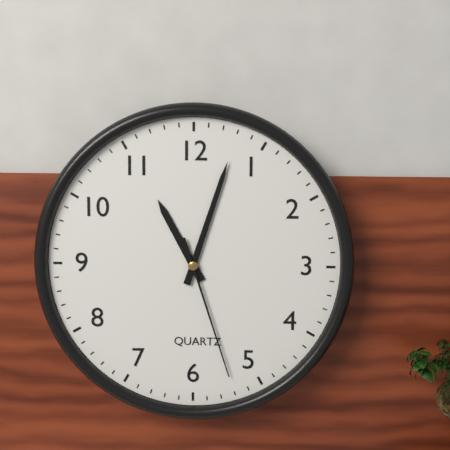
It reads **11:03:27**
